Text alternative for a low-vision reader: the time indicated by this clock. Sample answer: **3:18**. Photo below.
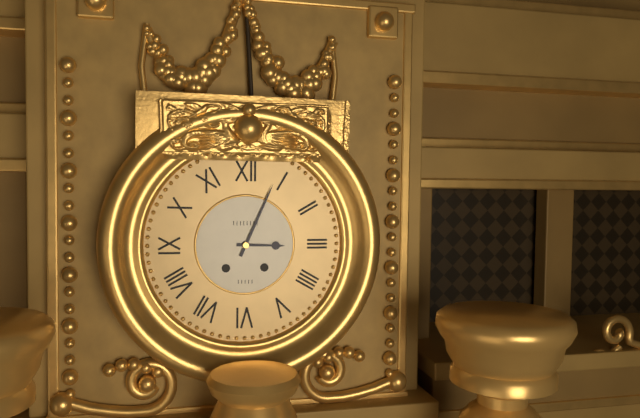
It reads **3:04**
